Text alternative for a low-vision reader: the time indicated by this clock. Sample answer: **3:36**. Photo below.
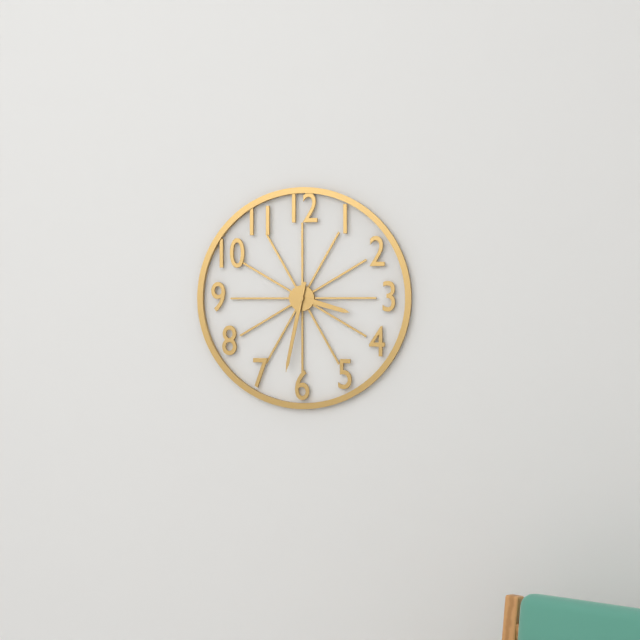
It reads **3:32**
